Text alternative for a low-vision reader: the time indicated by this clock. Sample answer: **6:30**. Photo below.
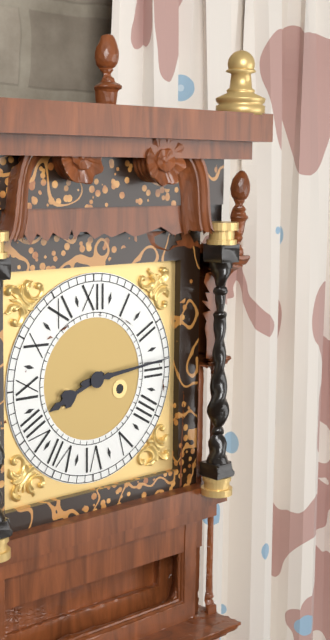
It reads **8:14**
